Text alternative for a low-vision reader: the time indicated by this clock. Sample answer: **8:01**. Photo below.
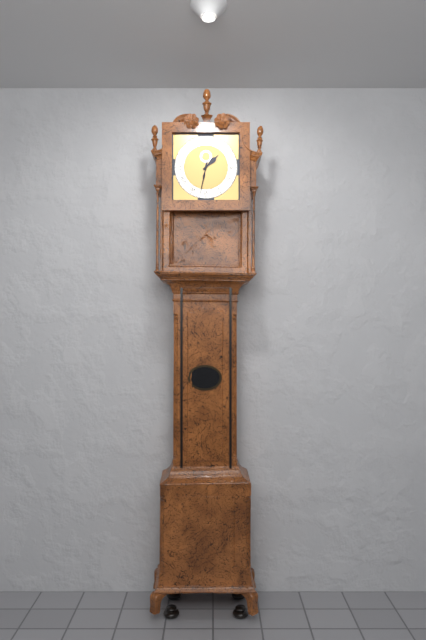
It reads **1:32**
